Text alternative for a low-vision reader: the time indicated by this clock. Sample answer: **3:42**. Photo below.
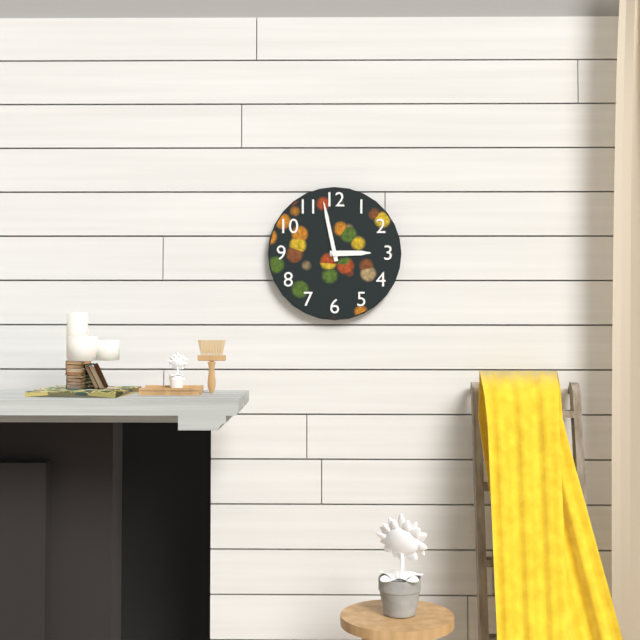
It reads **2:58**
